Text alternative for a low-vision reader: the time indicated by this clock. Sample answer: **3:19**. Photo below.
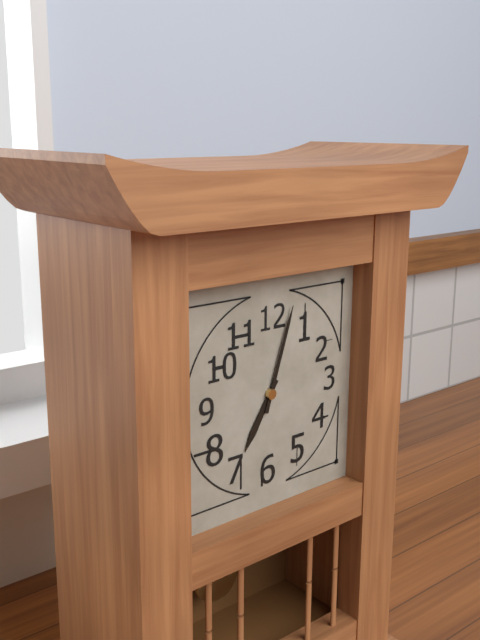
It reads **7:03**
